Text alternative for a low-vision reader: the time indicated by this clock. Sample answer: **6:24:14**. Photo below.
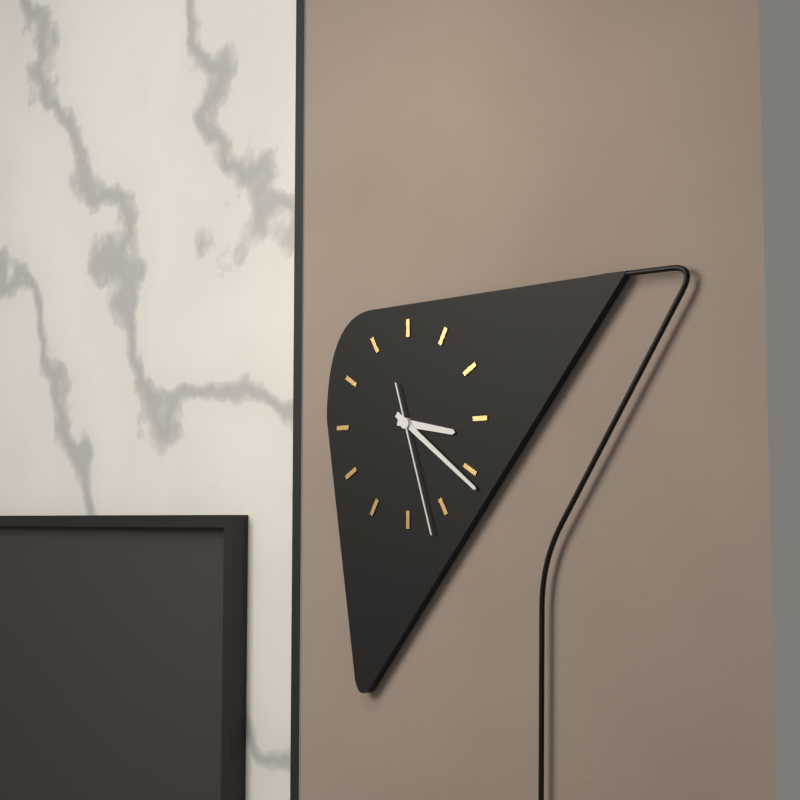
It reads **3:21:27**
